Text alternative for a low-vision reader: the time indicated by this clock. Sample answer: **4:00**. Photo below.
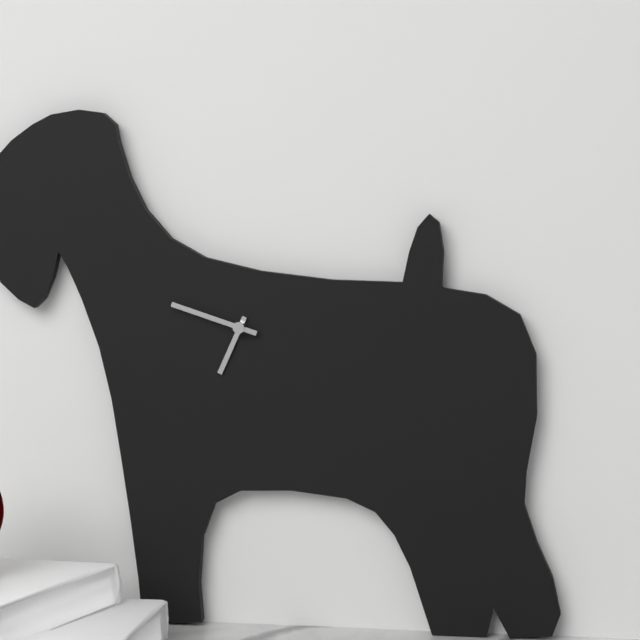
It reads **6:48**
